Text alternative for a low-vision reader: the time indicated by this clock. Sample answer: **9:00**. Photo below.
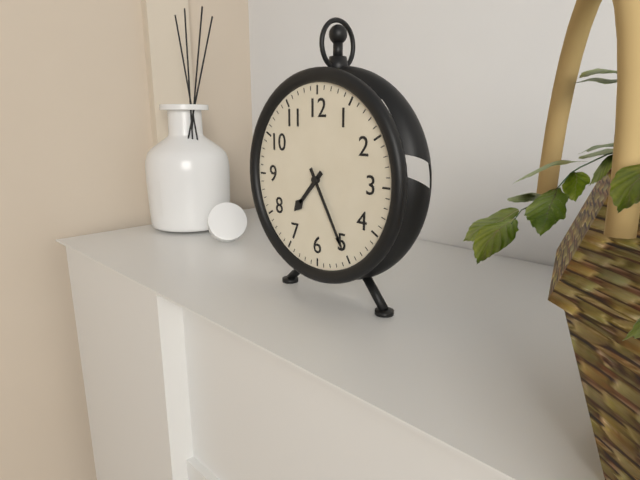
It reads **7:25**
